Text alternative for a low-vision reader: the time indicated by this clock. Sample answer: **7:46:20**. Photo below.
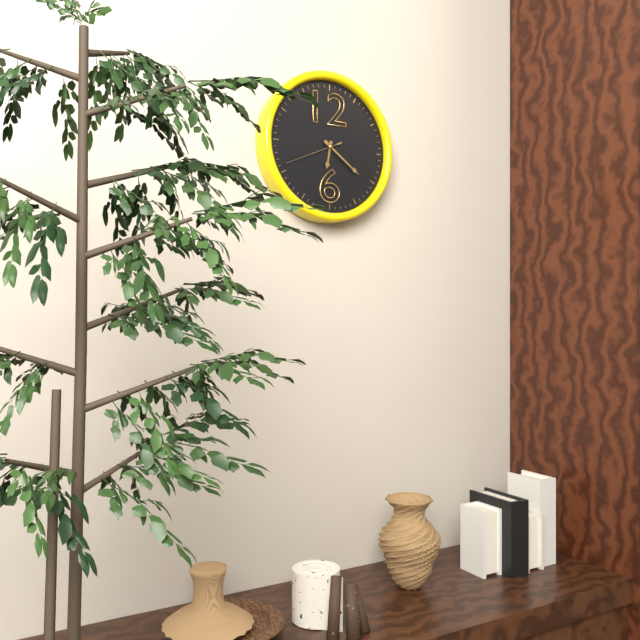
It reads **6:21:41**
